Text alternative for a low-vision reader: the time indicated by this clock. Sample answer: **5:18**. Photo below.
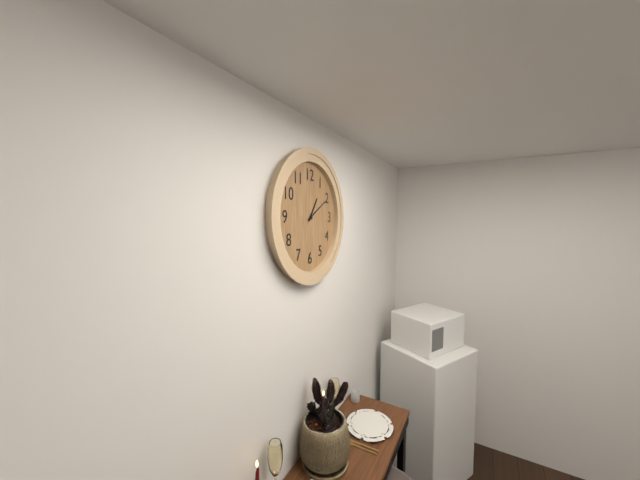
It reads **1:10**
